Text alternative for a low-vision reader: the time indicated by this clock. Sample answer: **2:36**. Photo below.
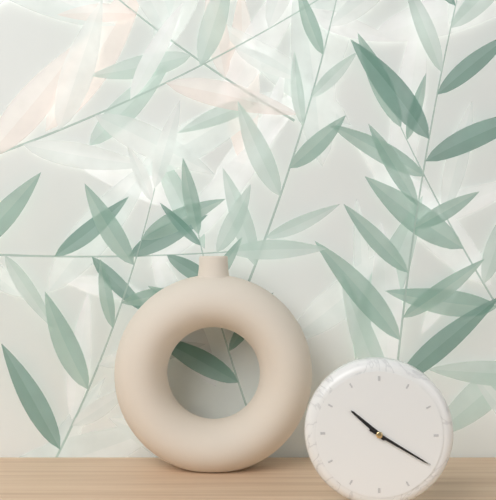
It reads **10:20**
